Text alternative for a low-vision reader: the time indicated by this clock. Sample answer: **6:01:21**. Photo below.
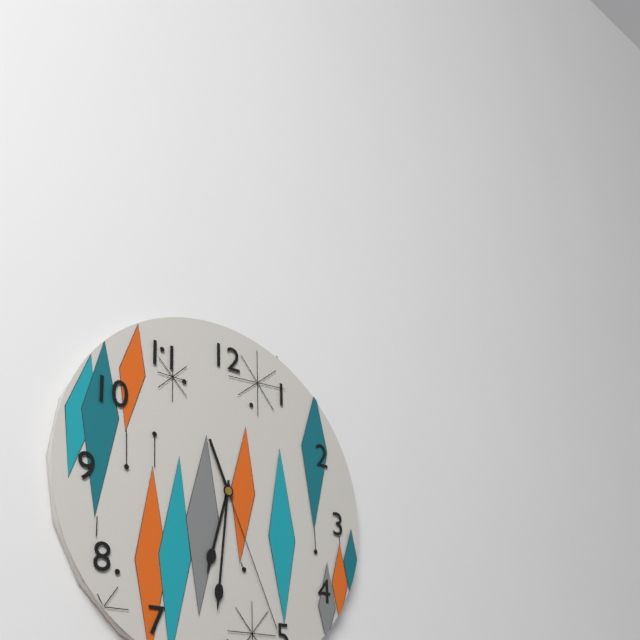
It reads **6:31:26**
